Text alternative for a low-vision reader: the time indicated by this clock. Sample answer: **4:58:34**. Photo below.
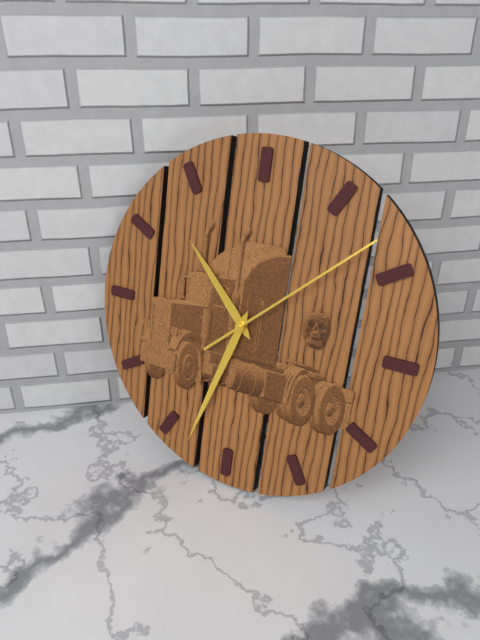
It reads **10:33:08**
